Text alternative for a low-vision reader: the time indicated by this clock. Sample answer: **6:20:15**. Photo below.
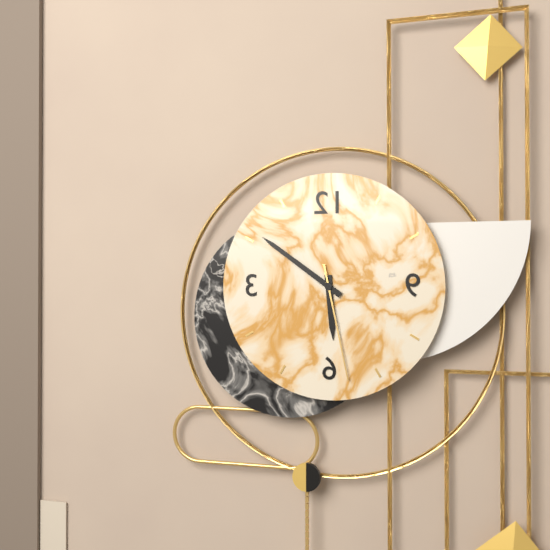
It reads **5:51:28**
